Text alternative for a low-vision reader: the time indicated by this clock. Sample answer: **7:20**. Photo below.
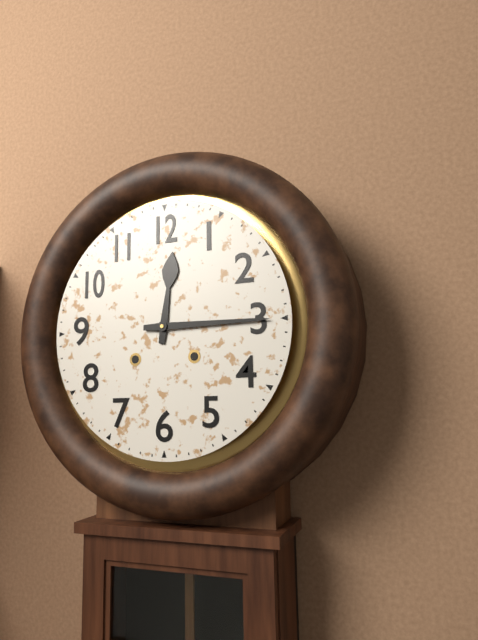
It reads **12:15**
